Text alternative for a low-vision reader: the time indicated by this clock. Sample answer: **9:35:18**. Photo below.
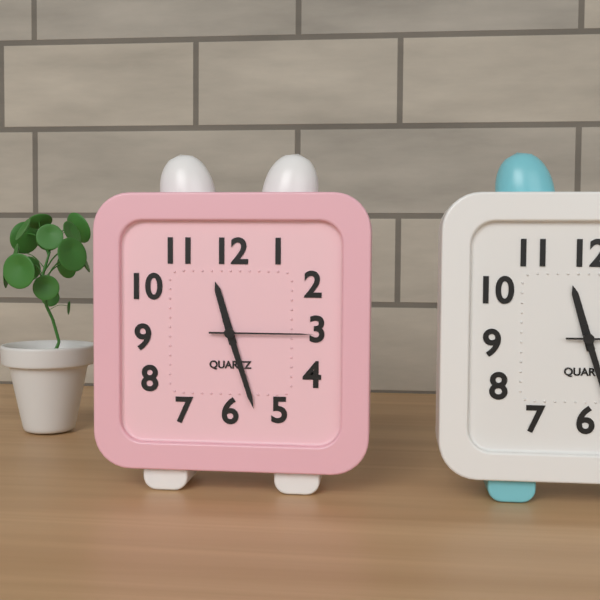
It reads **11:27:15**
